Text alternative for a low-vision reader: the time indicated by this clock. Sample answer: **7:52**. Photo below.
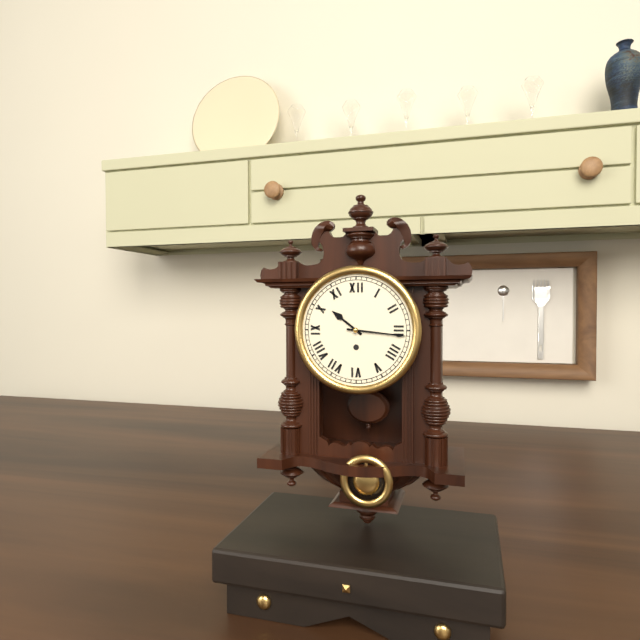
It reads **10:16**
